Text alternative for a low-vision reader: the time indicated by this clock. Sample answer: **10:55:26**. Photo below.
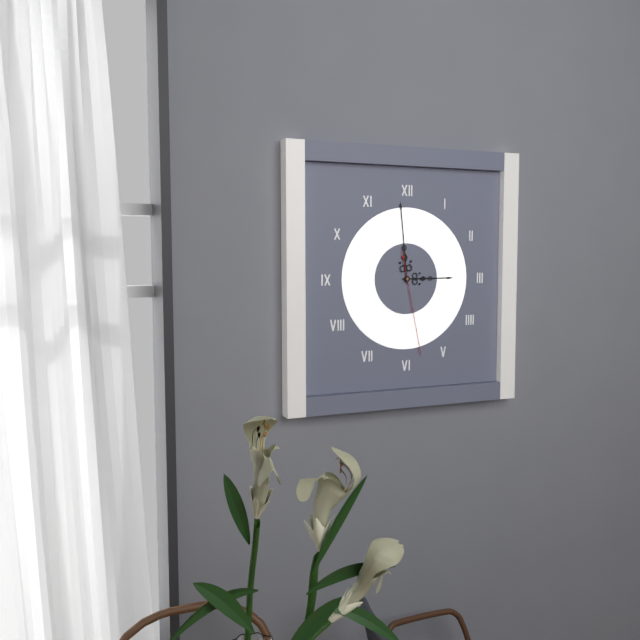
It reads **2:59:28**
